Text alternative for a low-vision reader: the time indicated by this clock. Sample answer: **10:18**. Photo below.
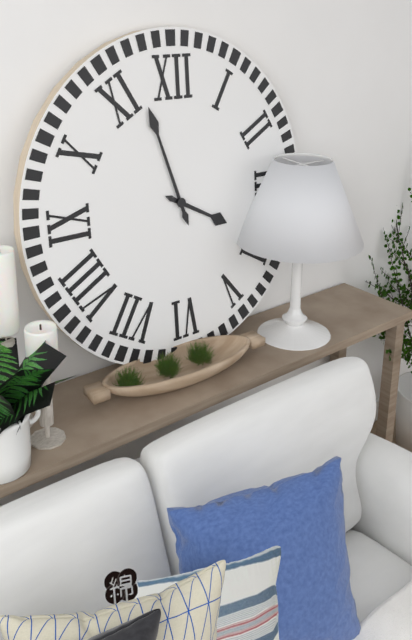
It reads **3:57**
